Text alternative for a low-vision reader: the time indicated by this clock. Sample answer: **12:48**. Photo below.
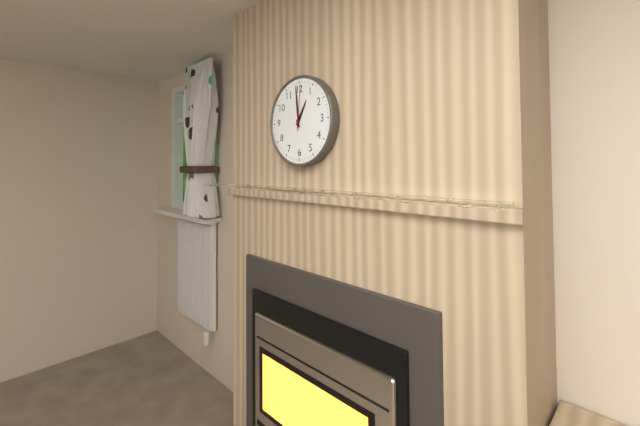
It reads **12:59**
